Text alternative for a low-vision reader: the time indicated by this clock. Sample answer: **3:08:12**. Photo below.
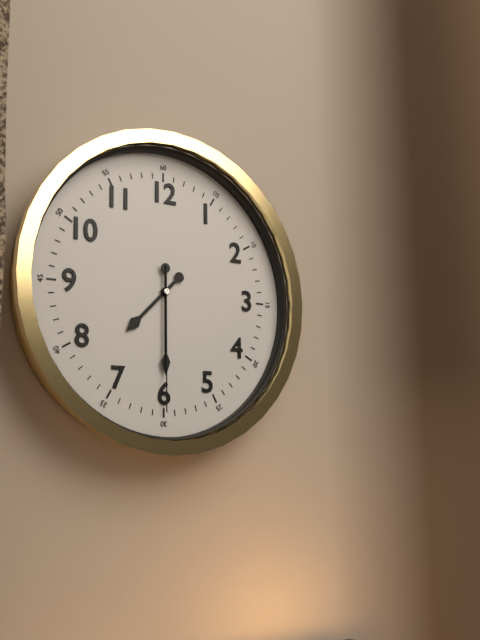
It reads **7:30:30**
